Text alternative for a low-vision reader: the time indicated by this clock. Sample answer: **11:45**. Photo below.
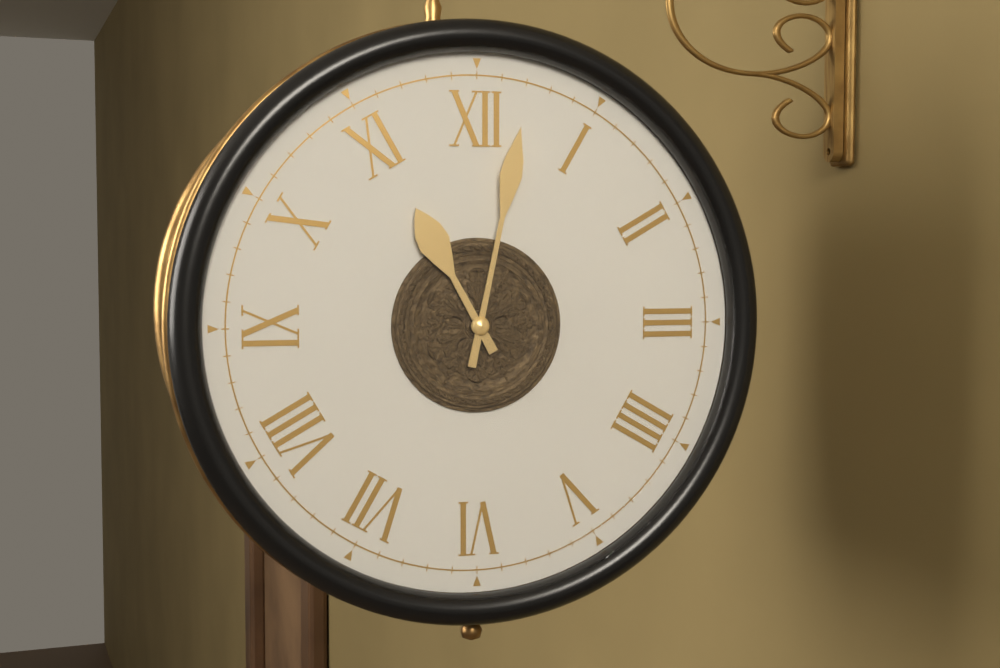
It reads **11:02**
